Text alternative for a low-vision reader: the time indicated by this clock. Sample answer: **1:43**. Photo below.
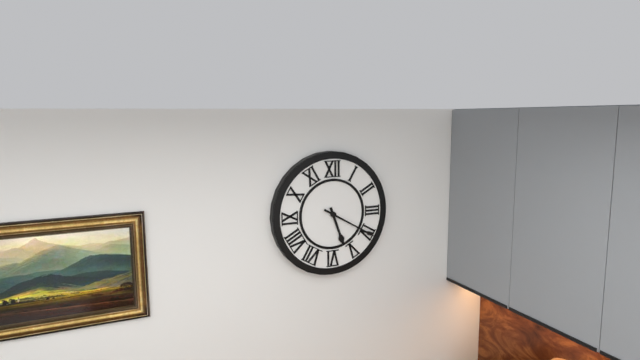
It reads **5:20**
